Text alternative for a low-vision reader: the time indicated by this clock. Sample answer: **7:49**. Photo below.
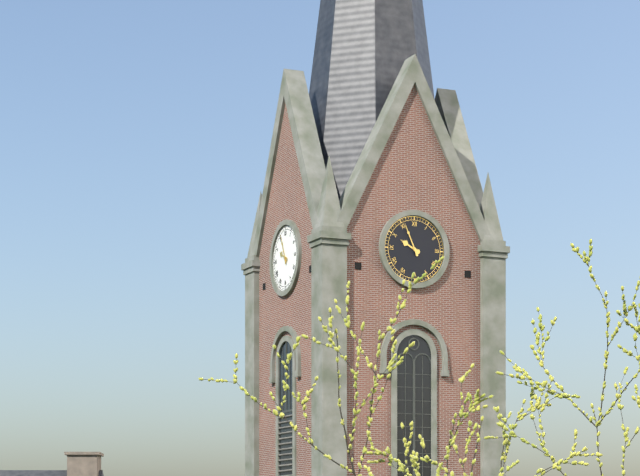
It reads **9:56**
